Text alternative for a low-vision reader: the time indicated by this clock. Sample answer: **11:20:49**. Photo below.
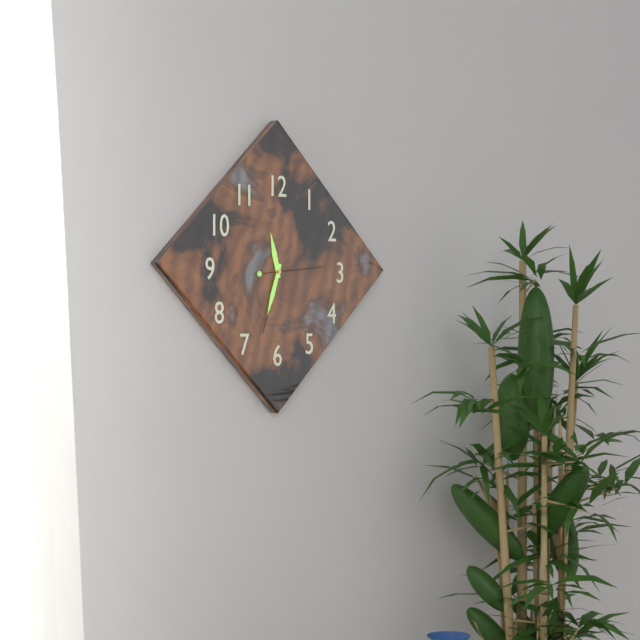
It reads **11:33:14**
